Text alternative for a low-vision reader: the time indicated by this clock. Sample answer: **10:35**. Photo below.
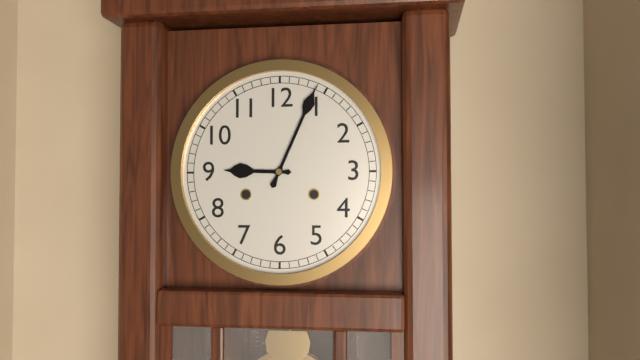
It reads **9:04**
